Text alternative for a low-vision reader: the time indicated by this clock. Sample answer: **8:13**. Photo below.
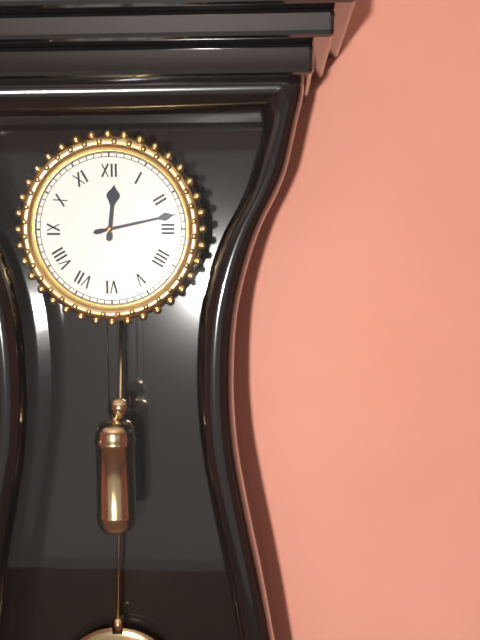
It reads **12:13**
